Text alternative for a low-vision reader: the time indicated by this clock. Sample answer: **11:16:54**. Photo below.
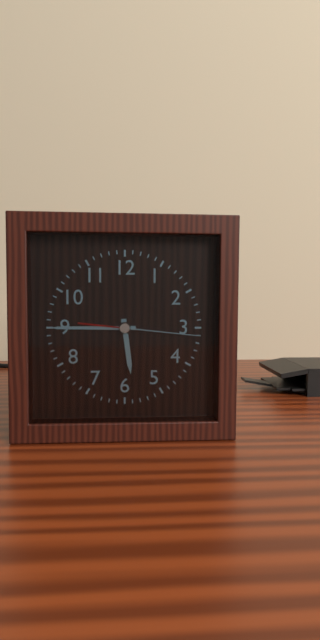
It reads **5:45:16**
